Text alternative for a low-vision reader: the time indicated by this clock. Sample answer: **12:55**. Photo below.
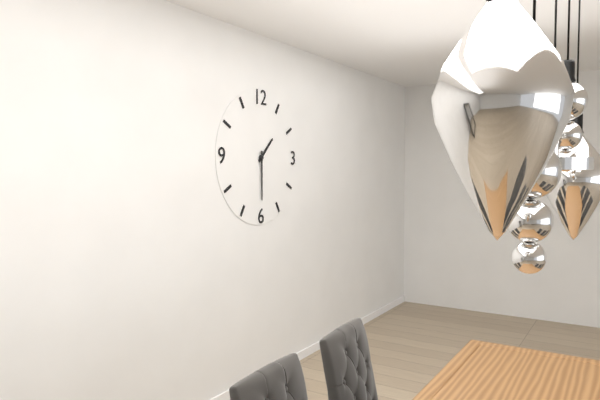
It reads **1:30**
